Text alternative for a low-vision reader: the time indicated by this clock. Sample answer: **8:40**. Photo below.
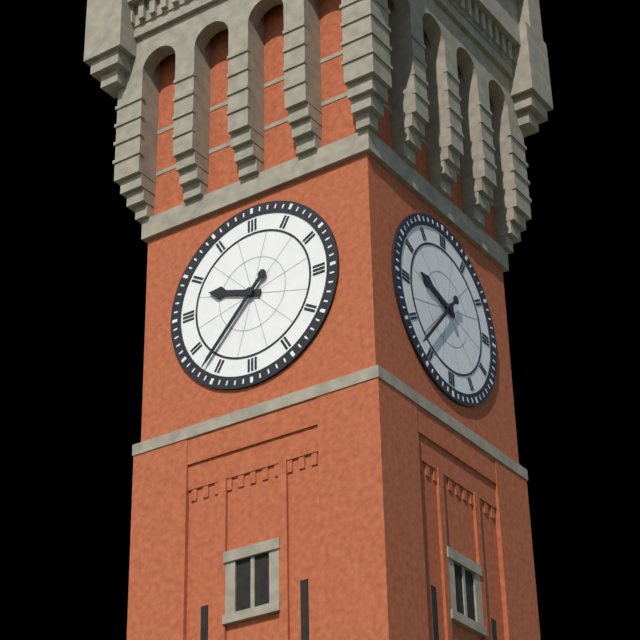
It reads **9:37**
